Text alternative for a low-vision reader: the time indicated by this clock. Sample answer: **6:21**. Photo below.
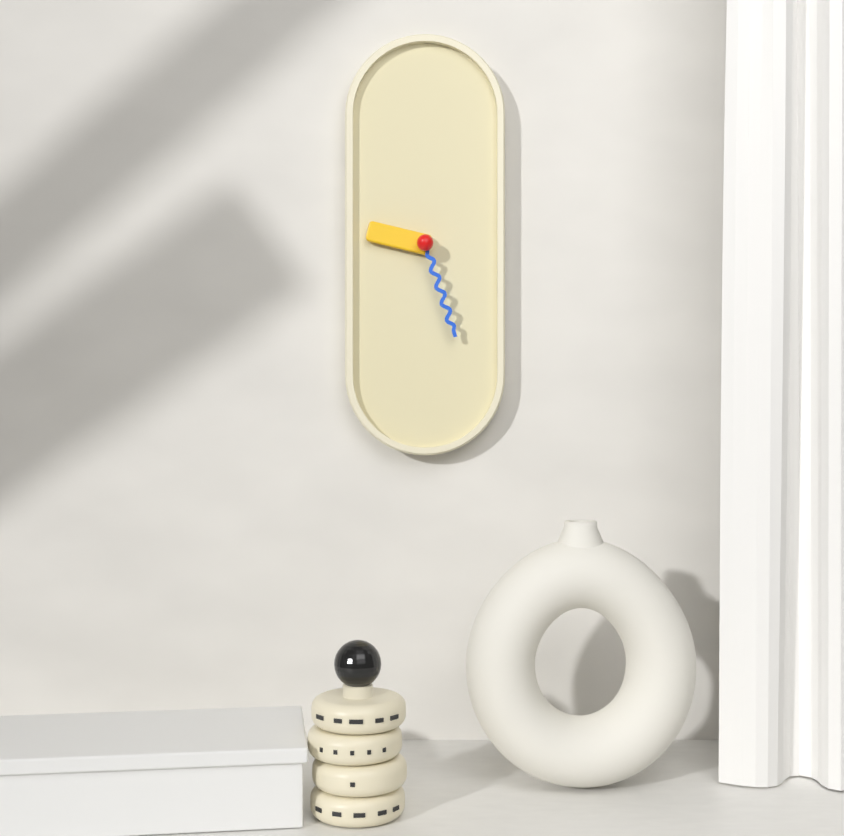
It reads **9:27**
